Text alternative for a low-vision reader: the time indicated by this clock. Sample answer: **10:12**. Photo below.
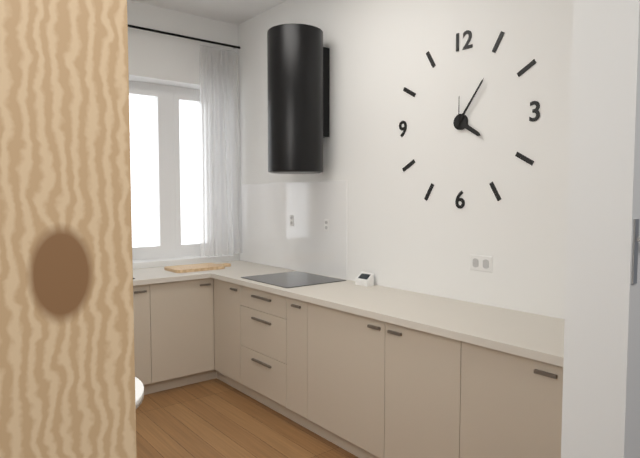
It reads **4:06**
